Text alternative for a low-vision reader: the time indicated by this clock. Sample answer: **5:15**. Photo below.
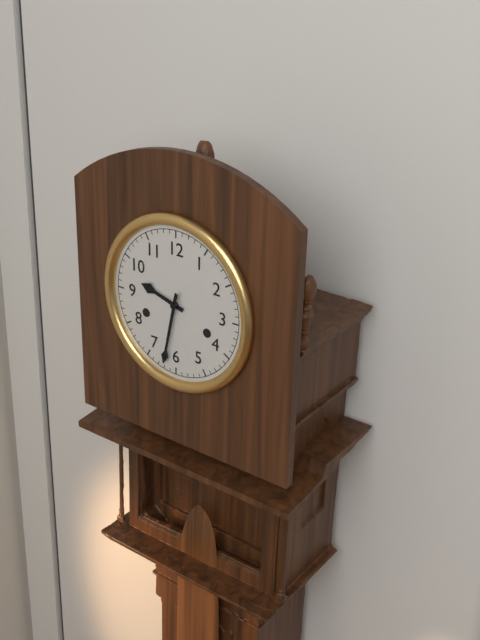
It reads **9:32**
